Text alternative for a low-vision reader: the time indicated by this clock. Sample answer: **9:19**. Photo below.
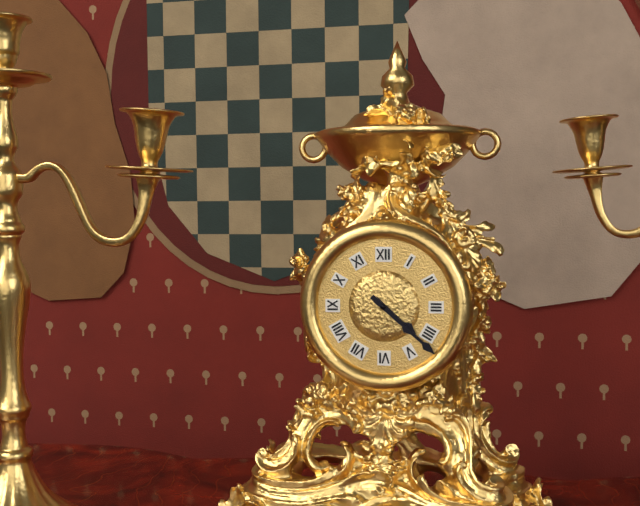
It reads **4:22**
